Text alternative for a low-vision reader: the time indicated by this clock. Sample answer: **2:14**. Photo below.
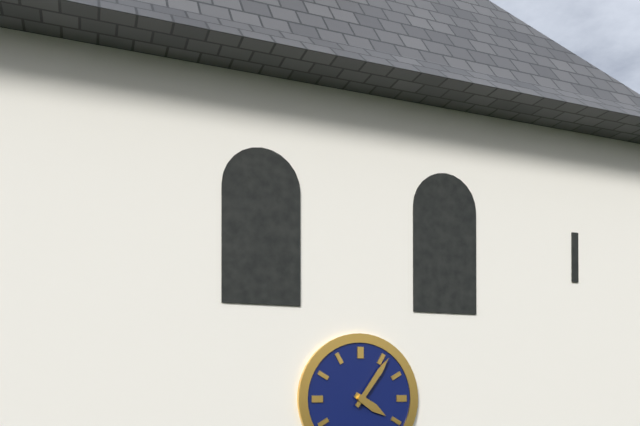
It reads **4:06**
